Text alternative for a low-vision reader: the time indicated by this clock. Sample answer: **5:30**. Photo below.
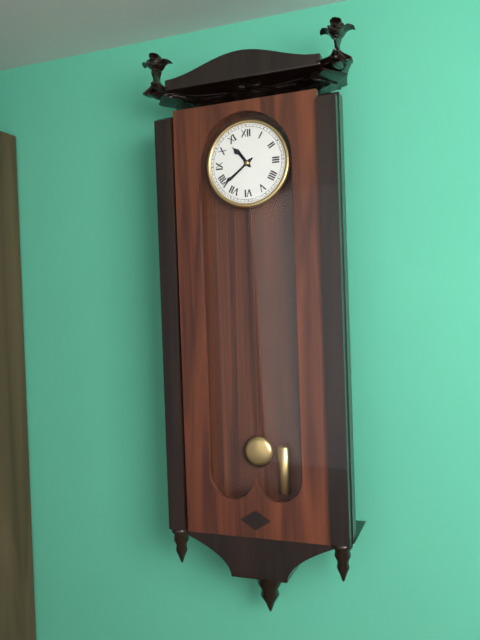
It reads **10:39**
